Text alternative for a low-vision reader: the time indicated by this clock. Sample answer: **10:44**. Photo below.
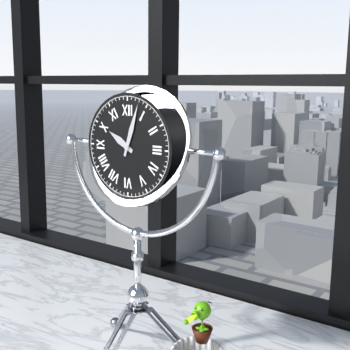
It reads **10:03**
